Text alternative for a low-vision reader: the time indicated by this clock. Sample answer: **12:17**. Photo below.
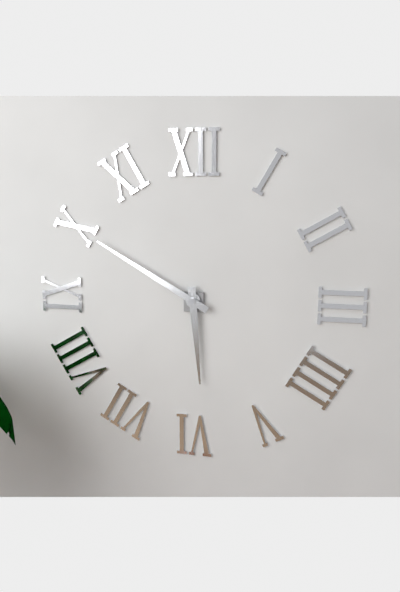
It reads **5:50**
